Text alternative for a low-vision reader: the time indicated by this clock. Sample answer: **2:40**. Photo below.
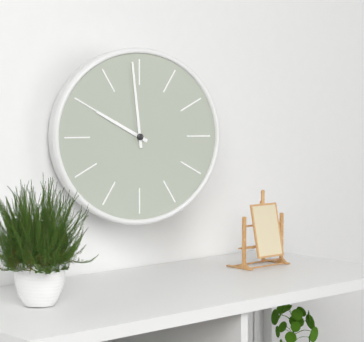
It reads **9:59**
